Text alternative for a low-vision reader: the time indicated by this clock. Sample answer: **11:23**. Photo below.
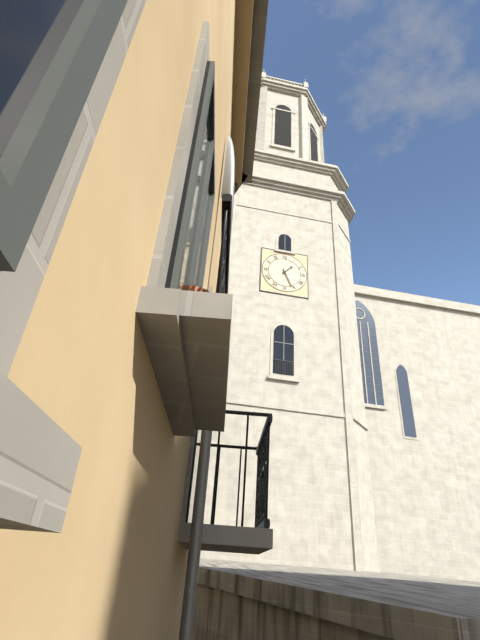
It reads **1:26**
